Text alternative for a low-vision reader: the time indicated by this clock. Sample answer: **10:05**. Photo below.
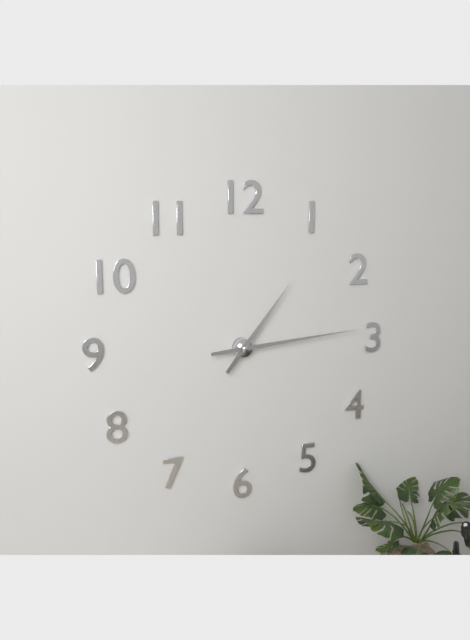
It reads **1:14**
